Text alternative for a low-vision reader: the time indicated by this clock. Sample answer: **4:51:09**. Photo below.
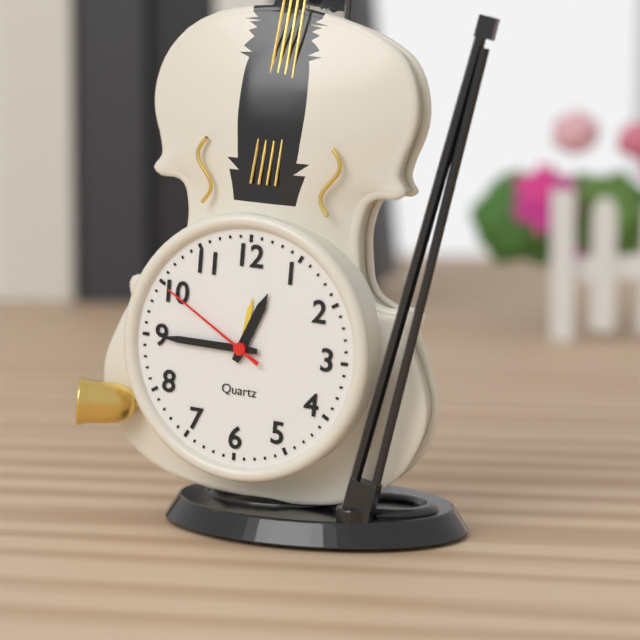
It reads **12:45:50**
